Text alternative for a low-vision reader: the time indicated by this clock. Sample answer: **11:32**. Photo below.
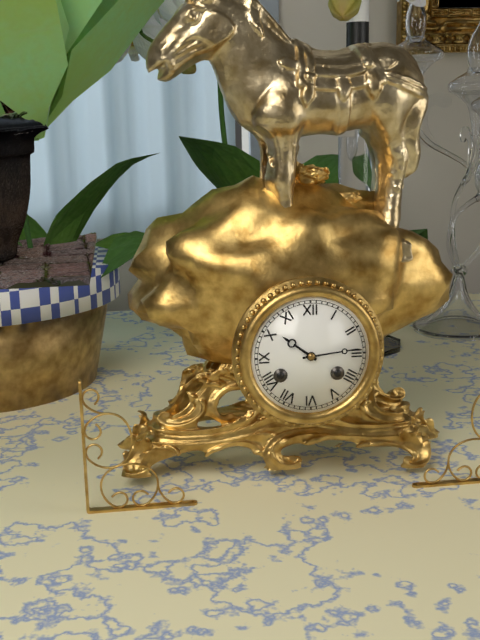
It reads **10:14**
